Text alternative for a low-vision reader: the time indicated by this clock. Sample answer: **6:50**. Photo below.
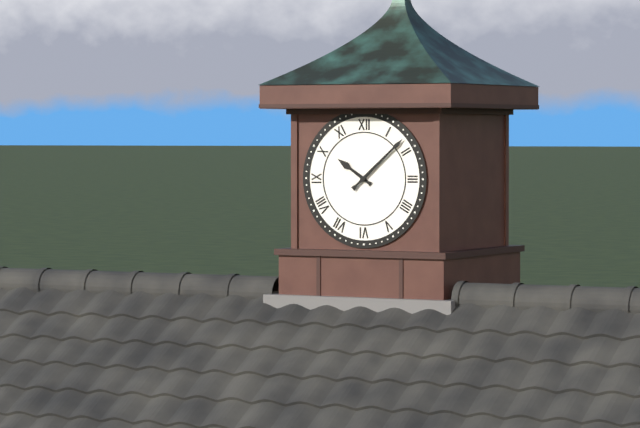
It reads **10:08**
